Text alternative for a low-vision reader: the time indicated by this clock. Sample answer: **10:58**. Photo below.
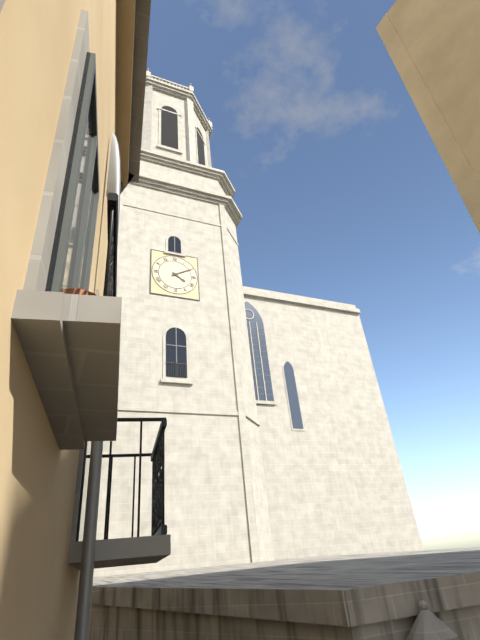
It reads **4:10**
